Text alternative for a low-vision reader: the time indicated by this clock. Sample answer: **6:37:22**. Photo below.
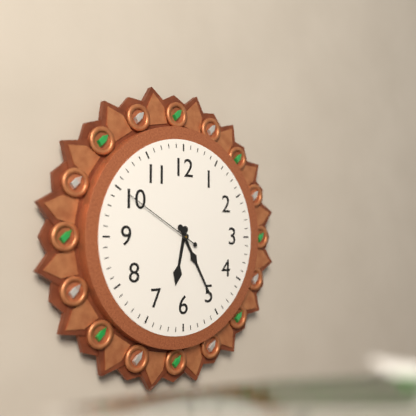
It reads **6:25:50**
